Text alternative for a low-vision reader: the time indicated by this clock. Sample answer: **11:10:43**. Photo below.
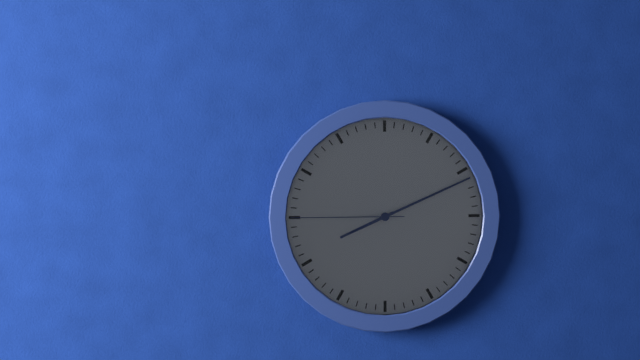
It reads **8:11:45**
